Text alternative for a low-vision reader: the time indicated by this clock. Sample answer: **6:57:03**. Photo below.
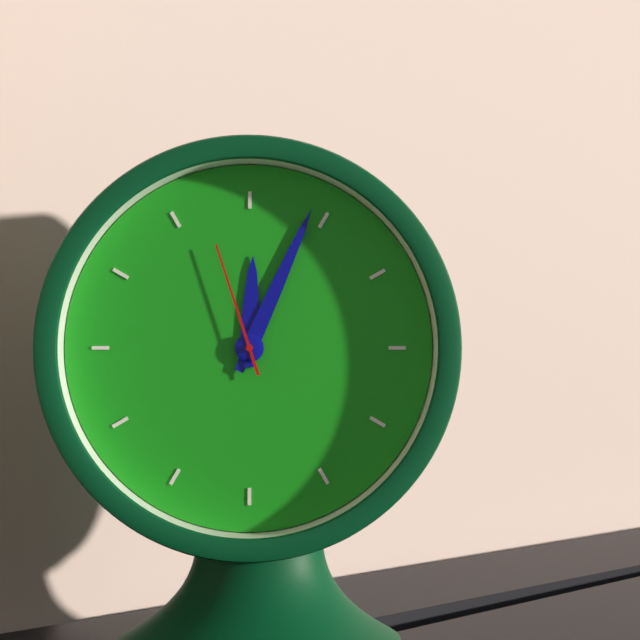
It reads **12:04:57**
